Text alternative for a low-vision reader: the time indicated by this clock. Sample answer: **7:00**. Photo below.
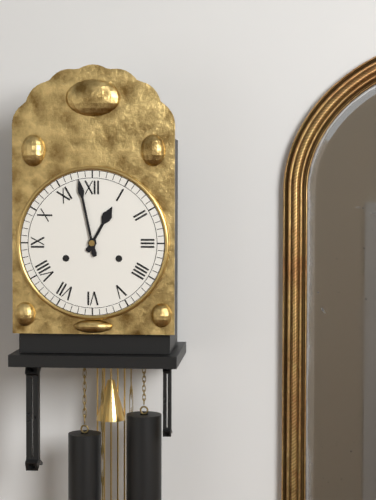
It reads **12:58**
